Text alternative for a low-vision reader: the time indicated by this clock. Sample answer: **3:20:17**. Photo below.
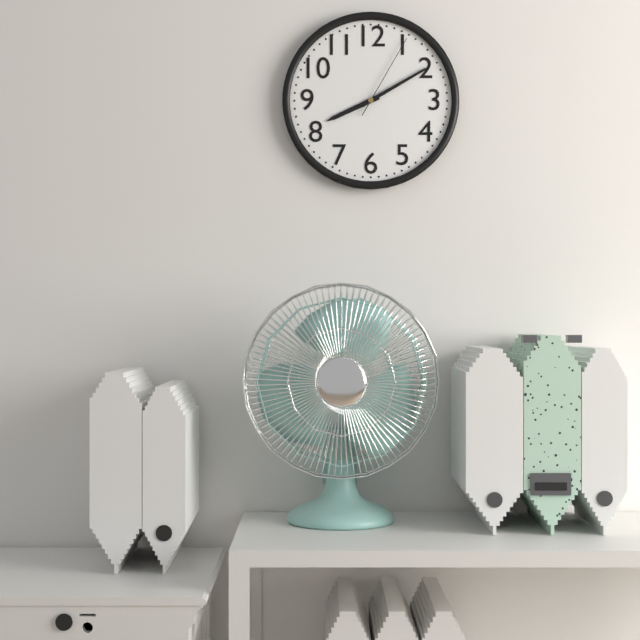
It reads **8:10:05**
